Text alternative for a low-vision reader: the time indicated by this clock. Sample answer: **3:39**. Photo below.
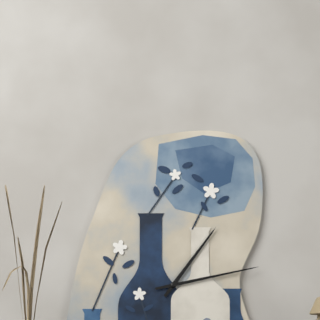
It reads **1:13**
